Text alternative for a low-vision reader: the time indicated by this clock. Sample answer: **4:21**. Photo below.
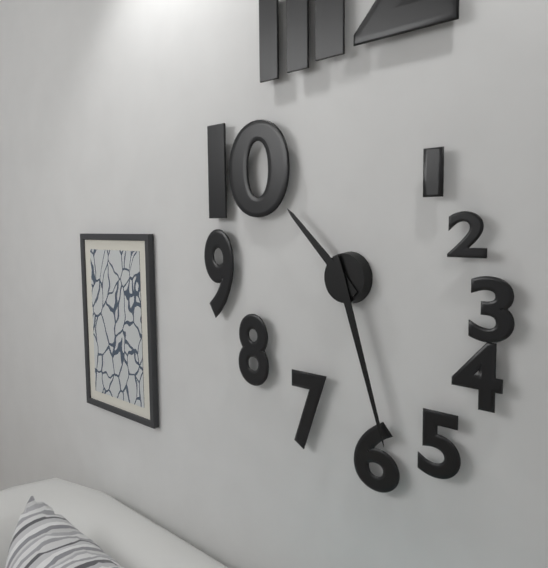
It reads **10:27**
